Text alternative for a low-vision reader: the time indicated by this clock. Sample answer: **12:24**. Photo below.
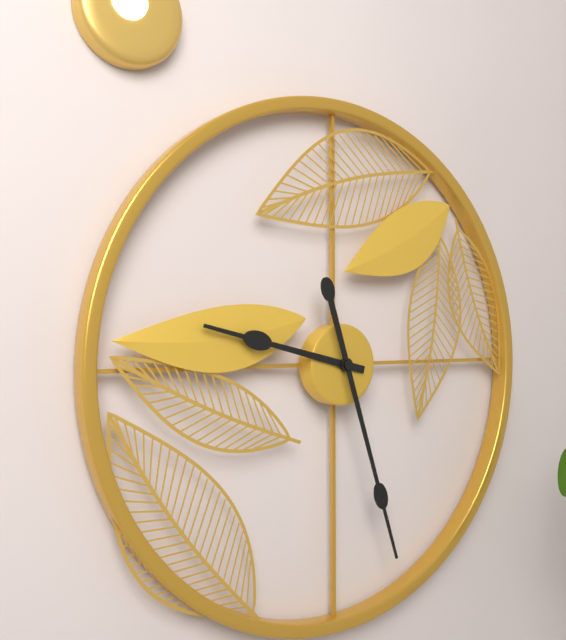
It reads **9:27**
